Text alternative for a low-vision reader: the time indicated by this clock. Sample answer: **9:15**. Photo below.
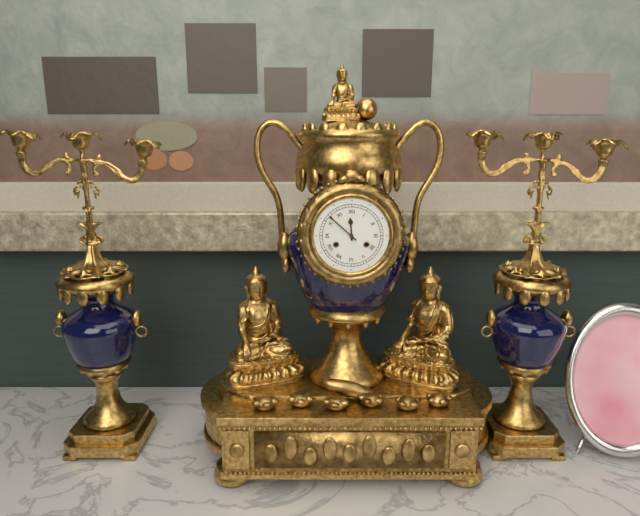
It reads **11:52**
